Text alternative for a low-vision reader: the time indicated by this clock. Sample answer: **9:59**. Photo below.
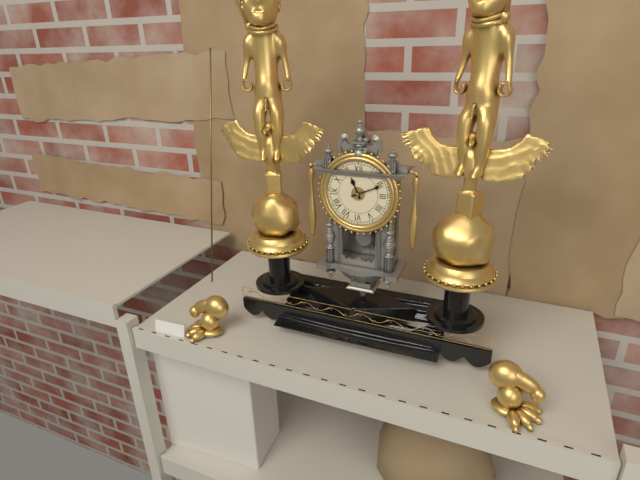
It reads **11:11**
